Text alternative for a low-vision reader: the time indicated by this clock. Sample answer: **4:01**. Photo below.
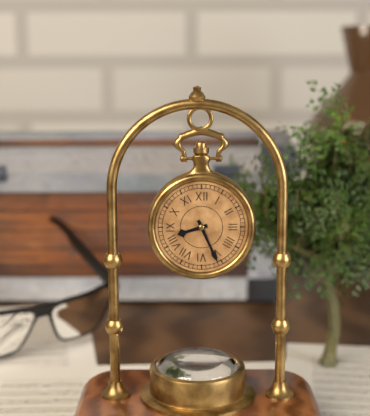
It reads **8:26**
